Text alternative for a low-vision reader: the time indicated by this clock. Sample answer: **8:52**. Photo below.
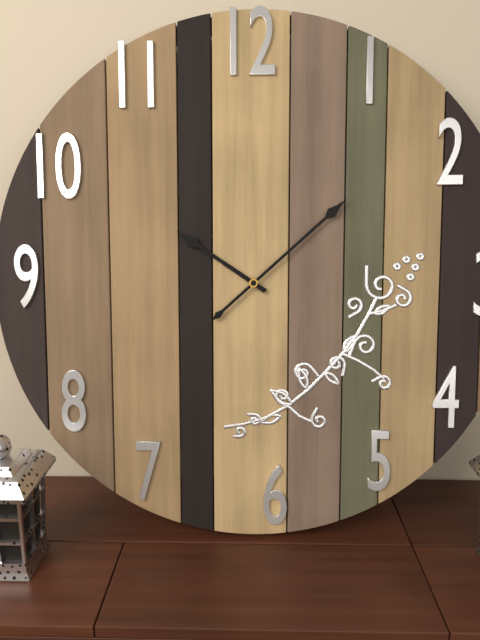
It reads **10:08**
